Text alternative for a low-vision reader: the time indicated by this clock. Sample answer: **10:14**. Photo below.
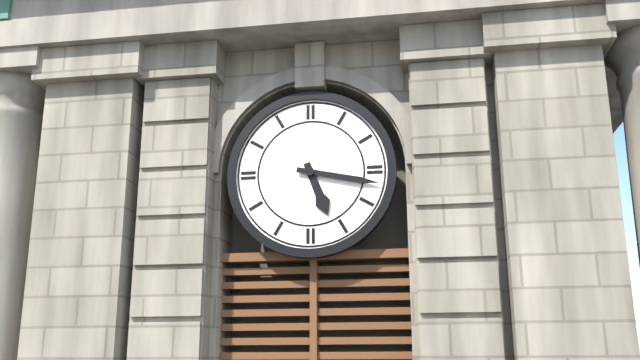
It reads **5:17**
